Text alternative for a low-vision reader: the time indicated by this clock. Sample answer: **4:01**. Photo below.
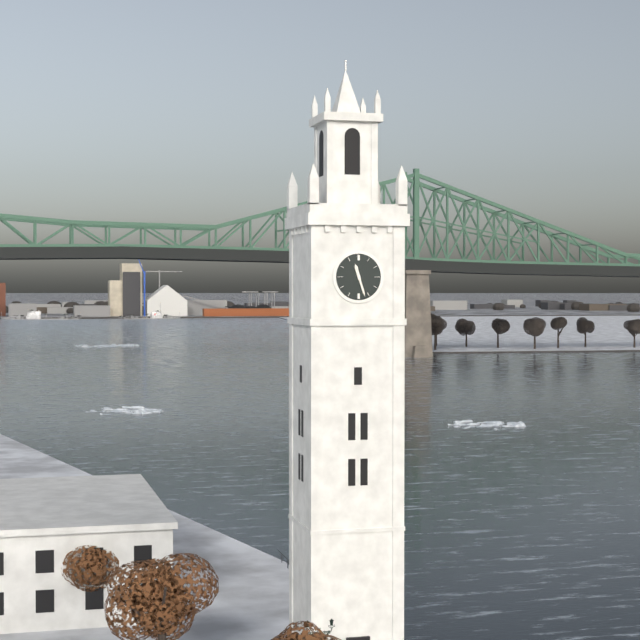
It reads **11:27**
